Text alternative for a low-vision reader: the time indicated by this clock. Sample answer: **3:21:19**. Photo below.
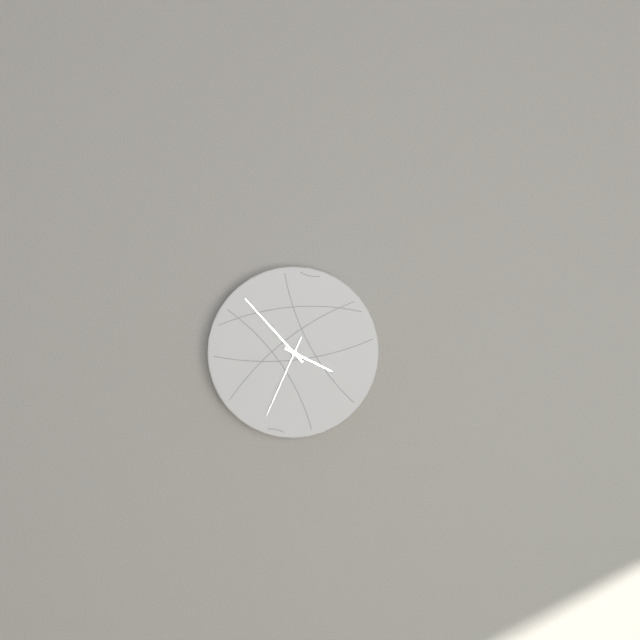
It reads **3:53:34**
